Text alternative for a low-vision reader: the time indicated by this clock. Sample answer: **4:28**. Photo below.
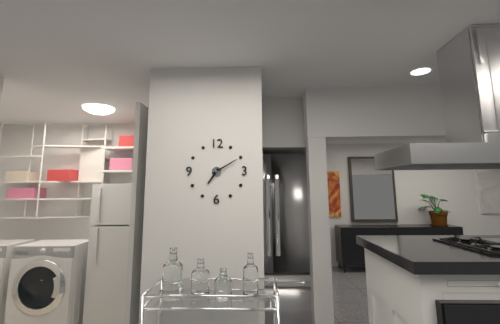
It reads **7:10**
